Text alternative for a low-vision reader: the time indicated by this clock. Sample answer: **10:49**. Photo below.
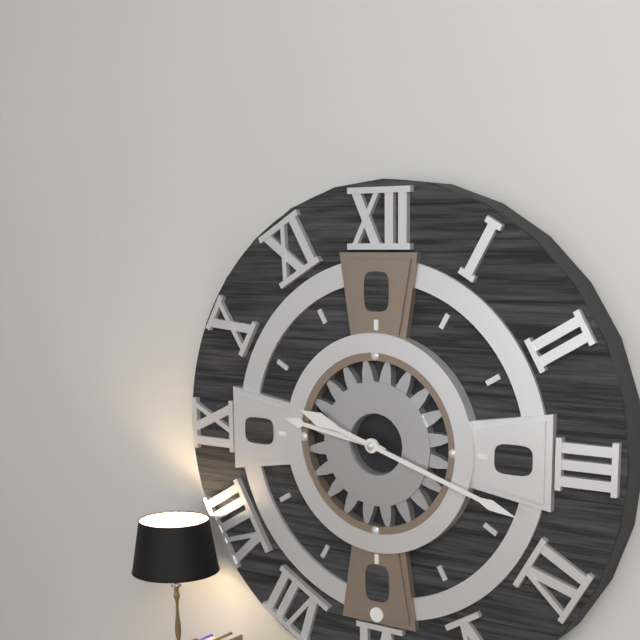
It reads **9:18**
